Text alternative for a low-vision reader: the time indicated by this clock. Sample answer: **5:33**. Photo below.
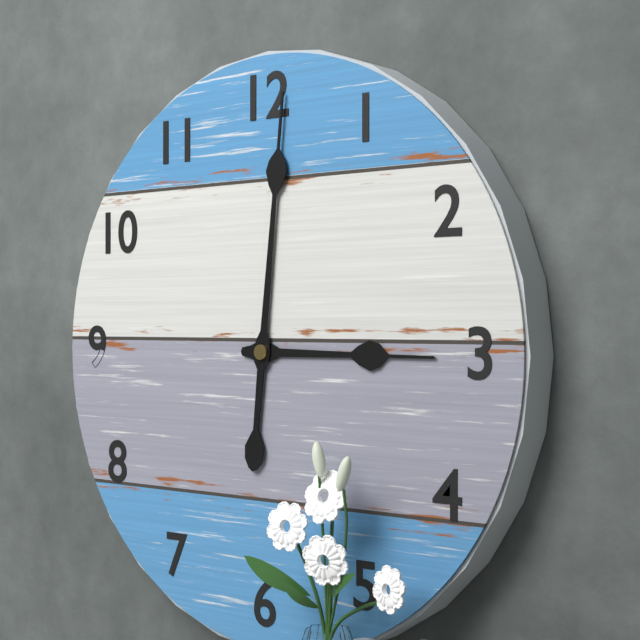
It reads **3:01**
